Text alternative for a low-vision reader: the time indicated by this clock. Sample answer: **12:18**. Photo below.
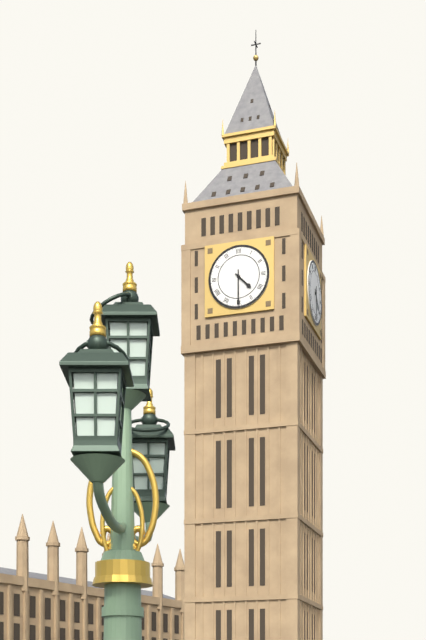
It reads **4:30**
